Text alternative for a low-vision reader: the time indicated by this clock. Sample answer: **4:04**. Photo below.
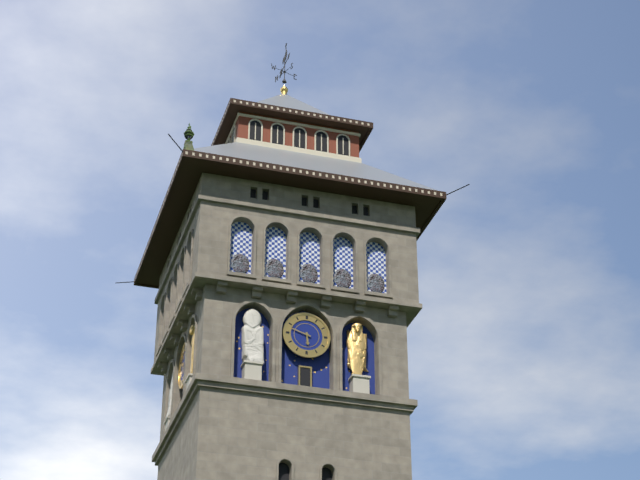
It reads **5:48**
